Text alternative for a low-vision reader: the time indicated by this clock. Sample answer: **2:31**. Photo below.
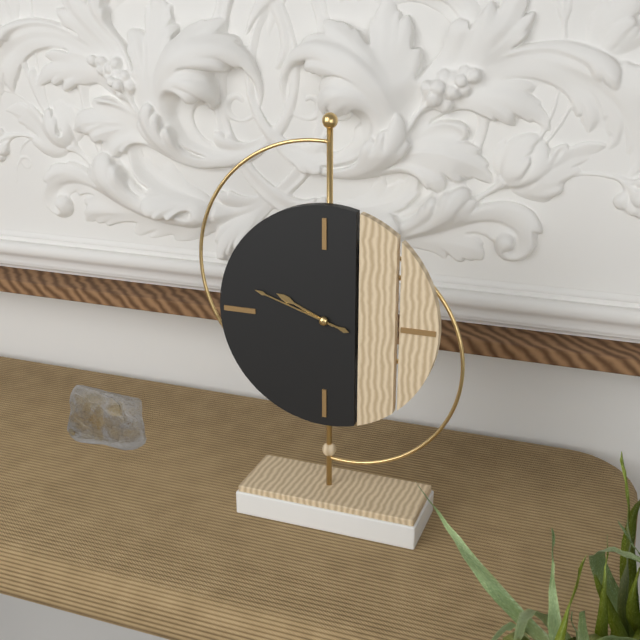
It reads **9:48**
